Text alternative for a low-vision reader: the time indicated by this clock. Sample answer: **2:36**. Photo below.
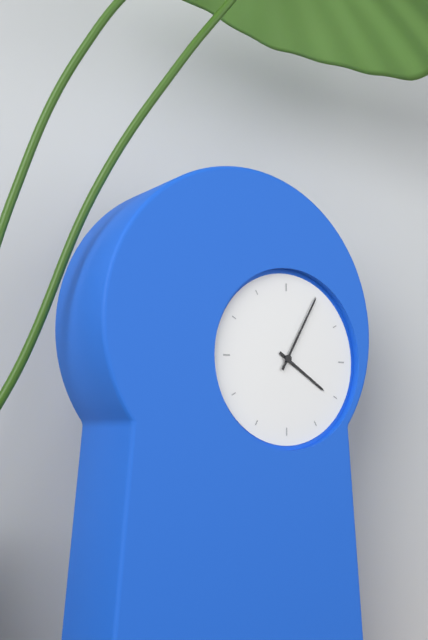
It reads **4:05**
